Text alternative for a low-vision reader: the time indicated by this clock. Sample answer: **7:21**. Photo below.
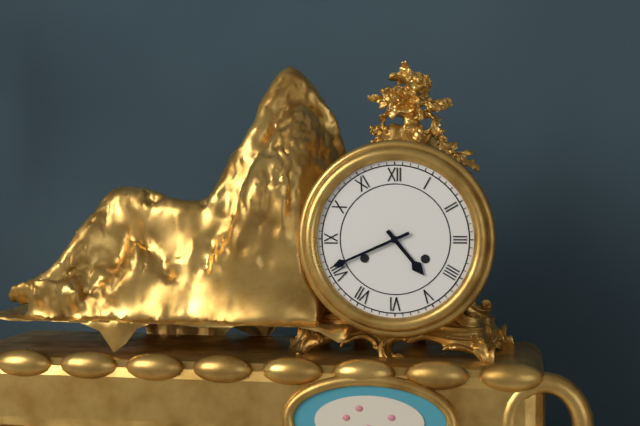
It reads **4:41**
